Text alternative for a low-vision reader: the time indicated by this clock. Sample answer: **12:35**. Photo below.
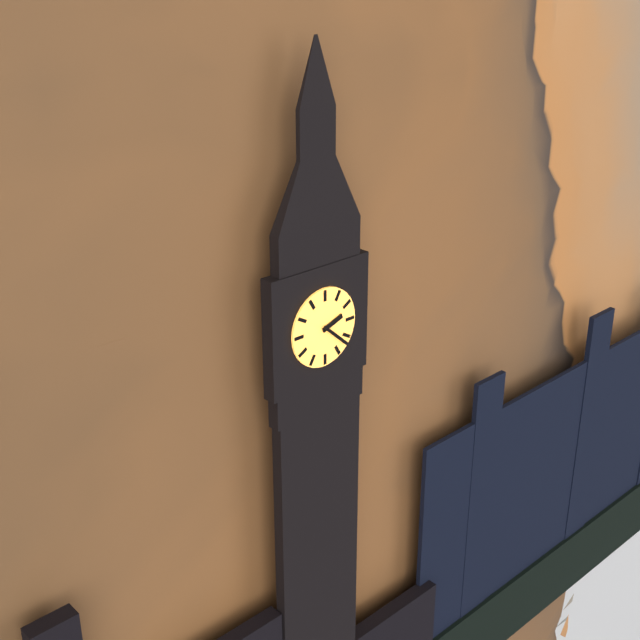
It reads **2:22**
